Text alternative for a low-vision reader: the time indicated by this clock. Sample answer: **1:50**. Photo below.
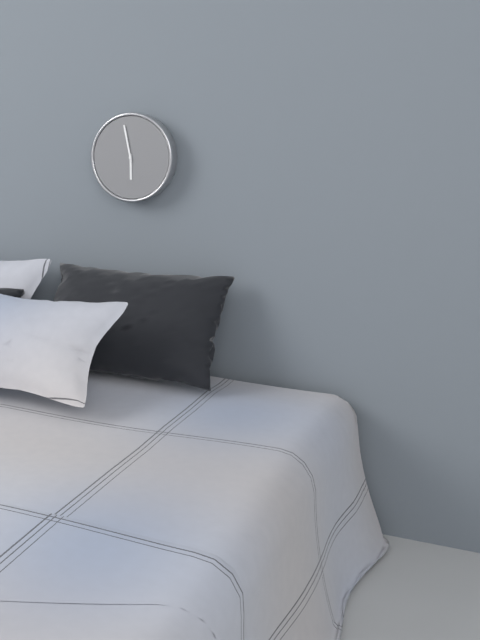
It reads **5:58**
